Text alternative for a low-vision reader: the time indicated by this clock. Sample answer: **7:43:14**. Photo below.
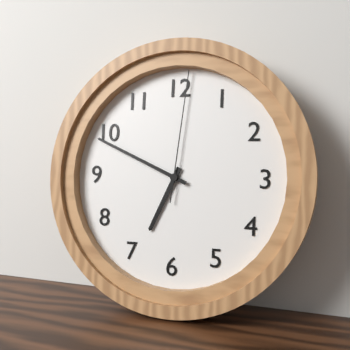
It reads **6:49:01**
